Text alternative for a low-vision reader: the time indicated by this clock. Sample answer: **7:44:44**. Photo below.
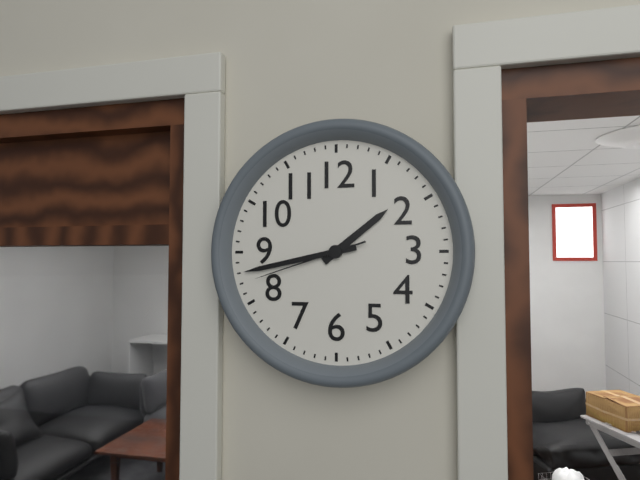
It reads **1:43:42**
